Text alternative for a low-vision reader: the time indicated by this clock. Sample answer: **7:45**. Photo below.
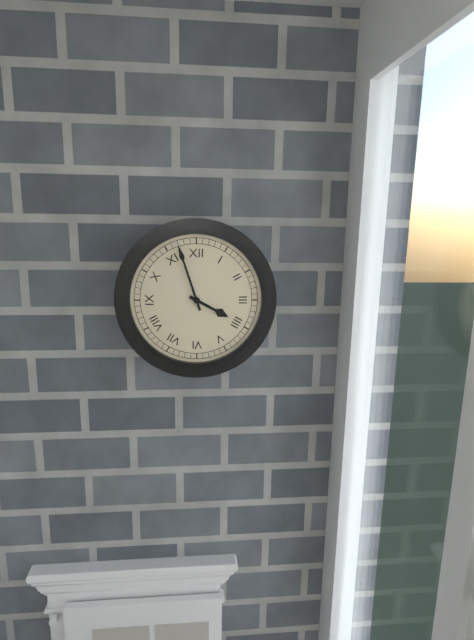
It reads **3:57**
